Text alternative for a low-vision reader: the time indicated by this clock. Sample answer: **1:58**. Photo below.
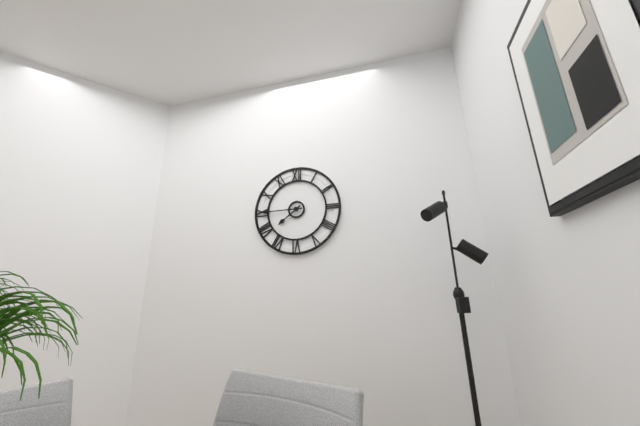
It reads **7:45**
